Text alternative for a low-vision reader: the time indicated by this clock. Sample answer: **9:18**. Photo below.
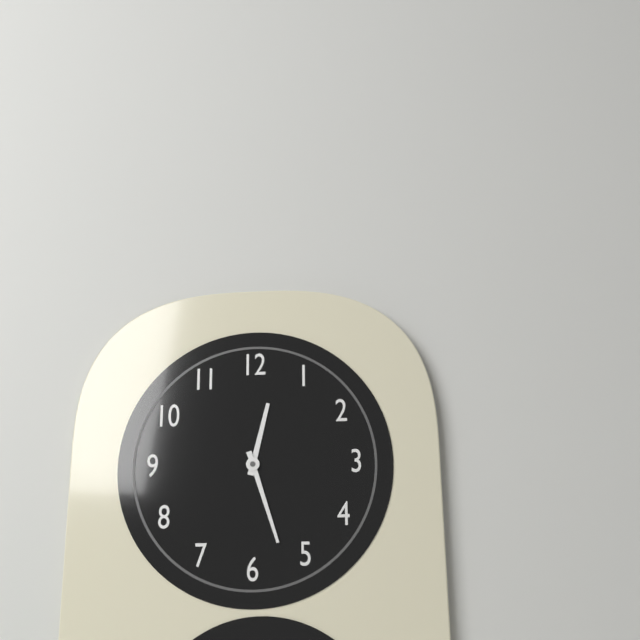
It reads **12:27**
